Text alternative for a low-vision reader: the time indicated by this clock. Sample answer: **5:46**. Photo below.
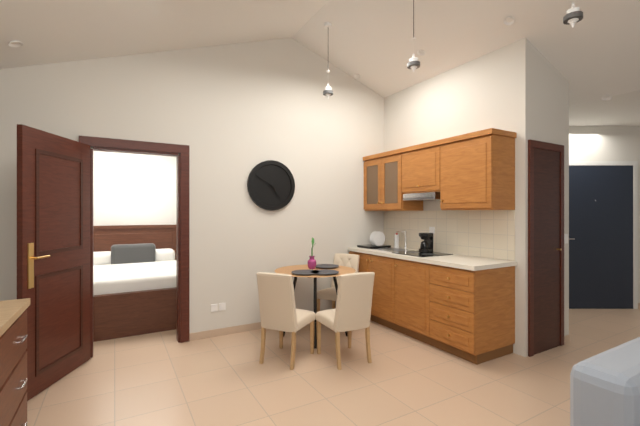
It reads **4:50**
